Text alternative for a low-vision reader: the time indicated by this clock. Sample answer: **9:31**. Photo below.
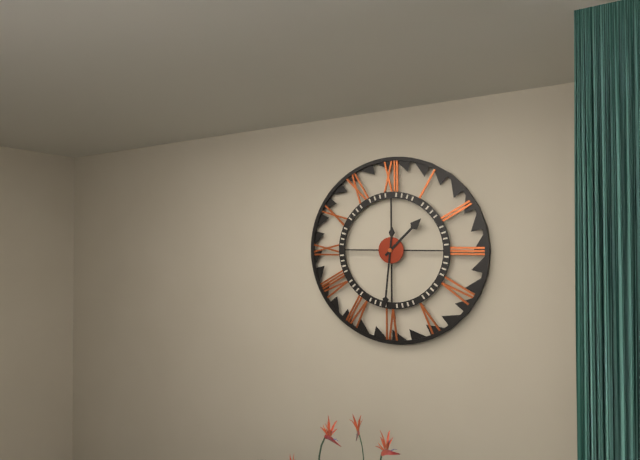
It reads **1:31**
